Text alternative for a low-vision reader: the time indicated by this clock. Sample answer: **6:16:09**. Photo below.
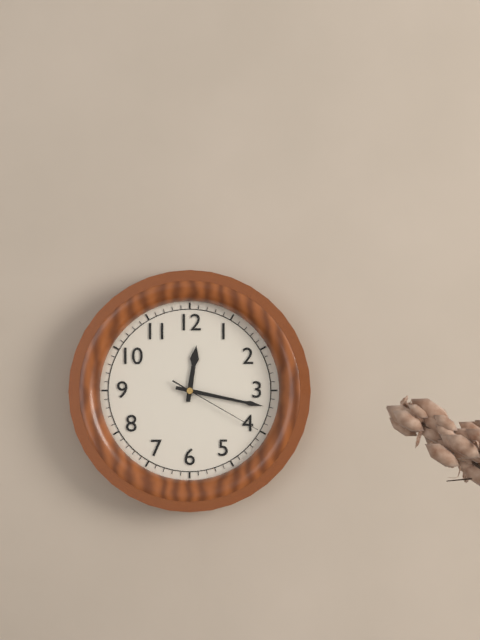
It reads **12:17:20**
